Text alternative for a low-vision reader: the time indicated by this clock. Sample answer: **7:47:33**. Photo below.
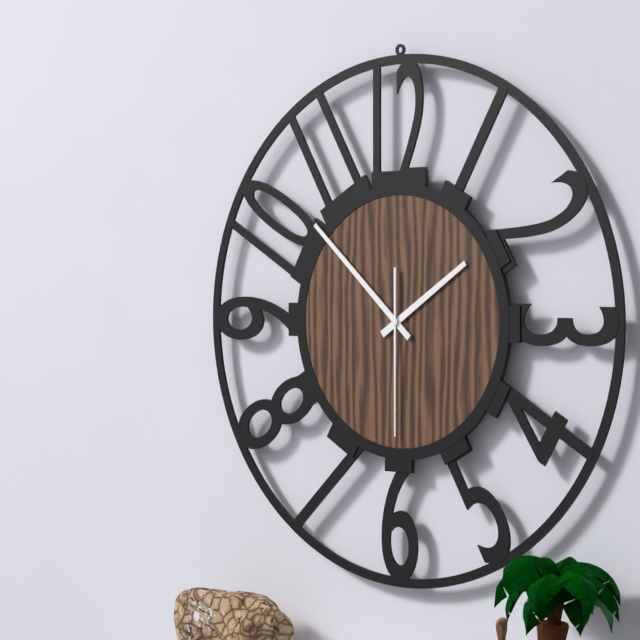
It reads **1:52:30**
